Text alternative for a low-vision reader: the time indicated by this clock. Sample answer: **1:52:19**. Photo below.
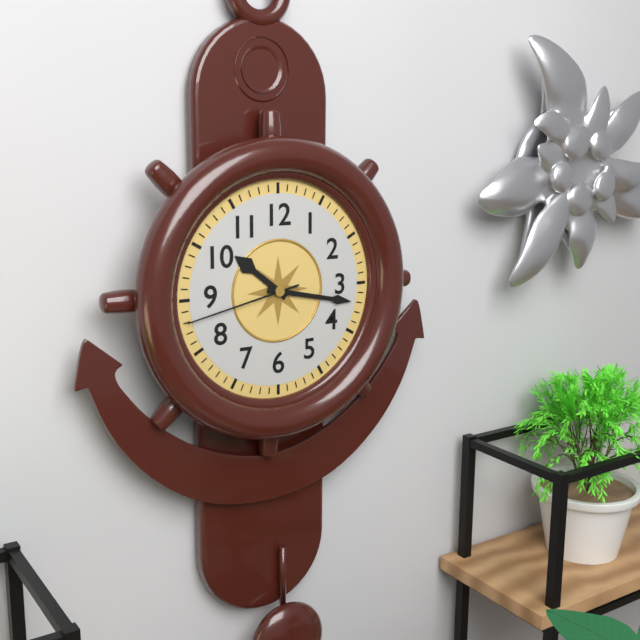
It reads **10:17:43**
